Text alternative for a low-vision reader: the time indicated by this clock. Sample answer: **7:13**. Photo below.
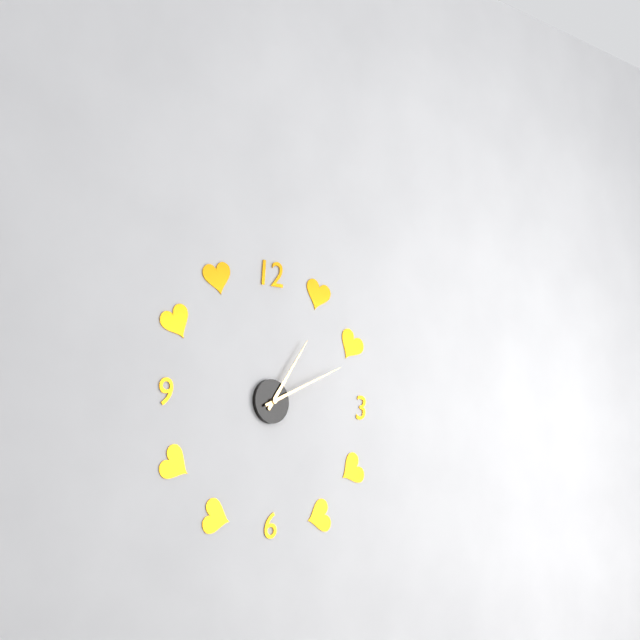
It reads **1:11**
